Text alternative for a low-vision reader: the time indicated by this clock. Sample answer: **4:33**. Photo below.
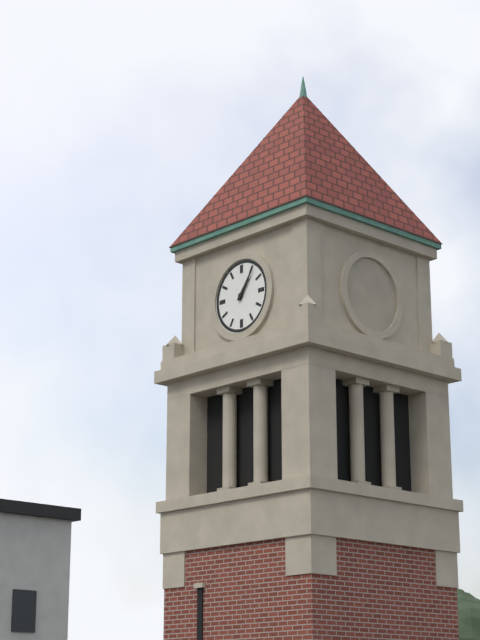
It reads **1:06**
